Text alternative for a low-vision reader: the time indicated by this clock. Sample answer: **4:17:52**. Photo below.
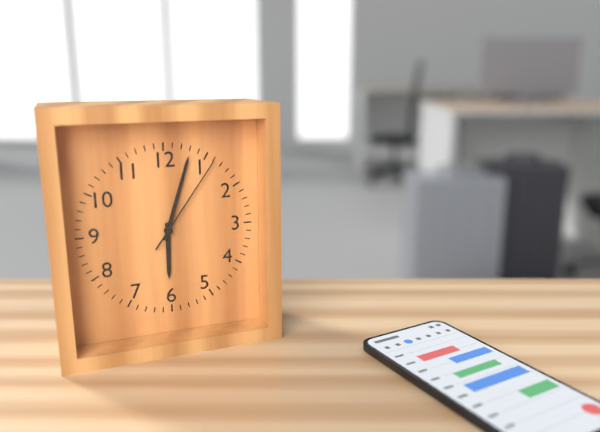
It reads **6:03:06**
